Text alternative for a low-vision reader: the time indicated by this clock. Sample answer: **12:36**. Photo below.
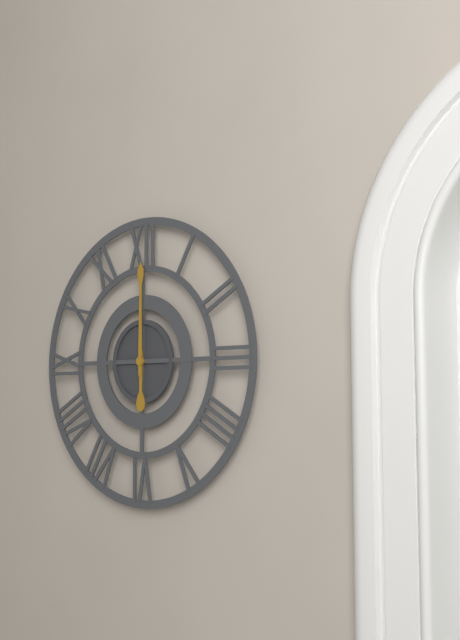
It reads **6:00**
